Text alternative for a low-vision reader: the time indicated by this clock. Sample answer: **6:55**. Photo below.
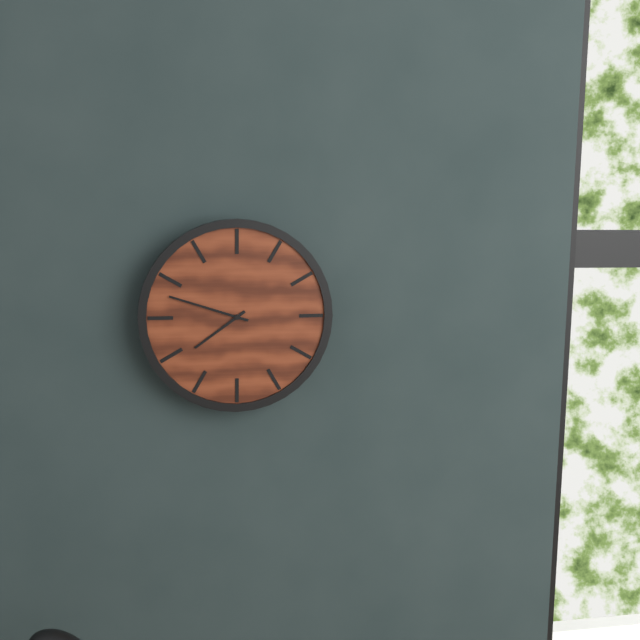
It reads **7:48**
